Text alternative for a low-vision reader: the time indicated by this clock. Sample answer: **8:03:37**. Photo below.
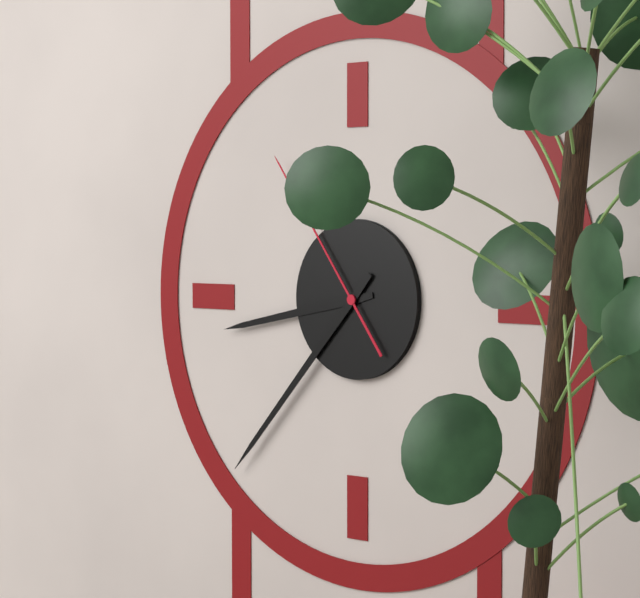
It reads **8:37:54**
